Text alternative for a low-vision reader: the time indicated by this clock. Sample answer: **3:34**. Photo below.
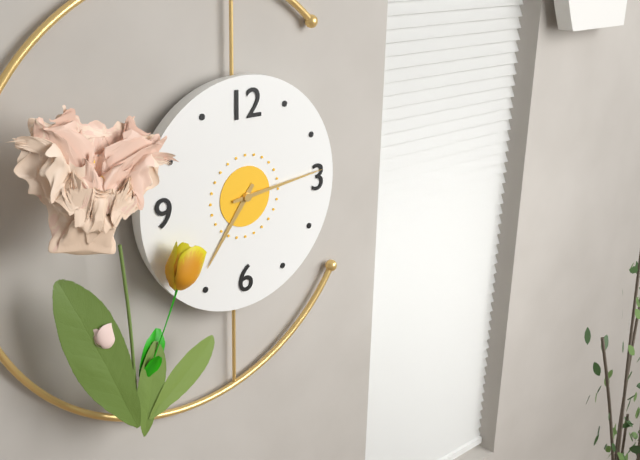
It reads **7:14**
